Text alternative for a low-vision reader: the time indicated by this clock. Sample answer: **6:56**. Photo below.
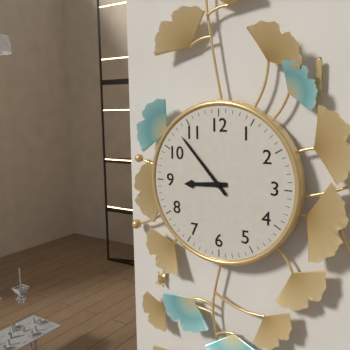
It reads **8:53**
